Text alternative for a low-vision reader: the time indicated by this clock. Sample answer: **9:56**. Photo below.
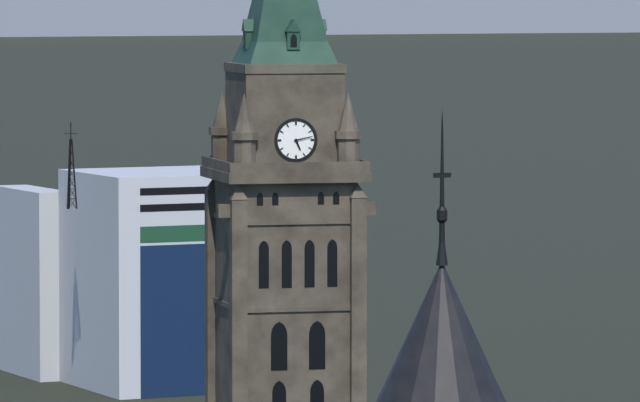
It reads **5:13**
